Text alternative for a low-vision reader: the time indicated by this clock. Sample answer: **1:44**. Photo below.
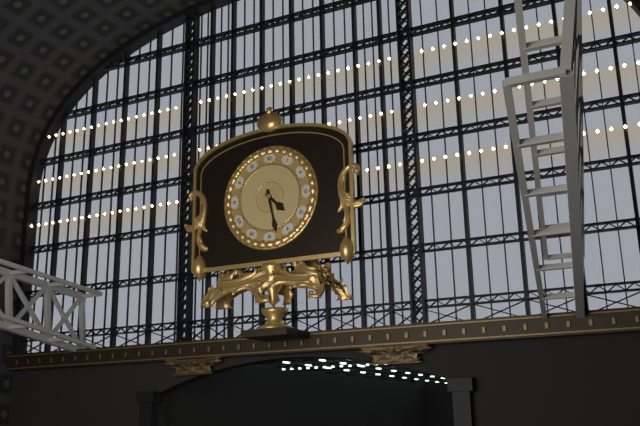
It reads **4:28**
